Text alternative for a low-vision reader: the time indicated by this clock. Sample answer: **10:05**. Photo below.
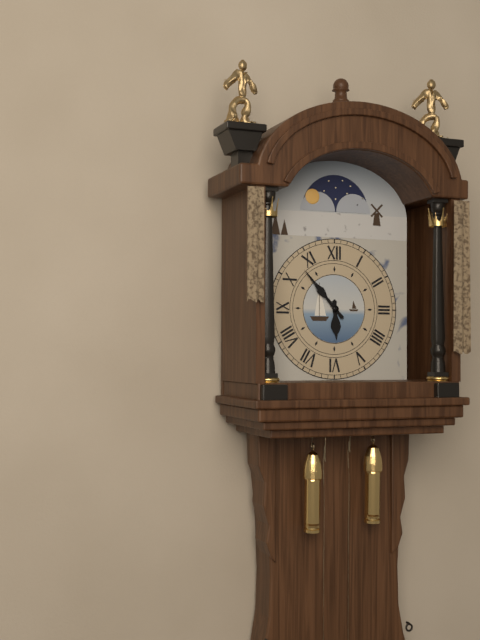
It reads **5:53**
